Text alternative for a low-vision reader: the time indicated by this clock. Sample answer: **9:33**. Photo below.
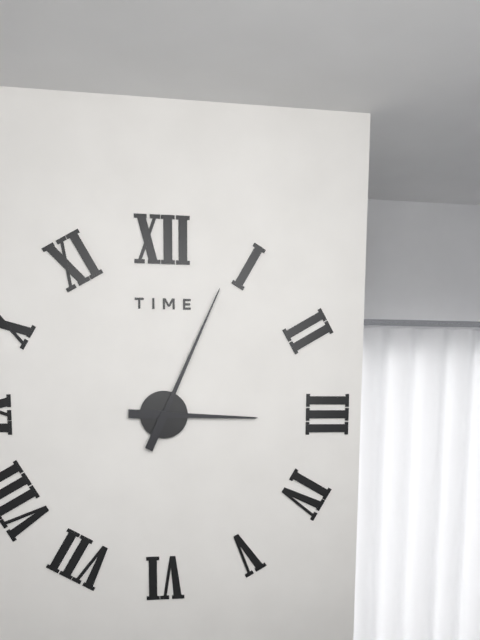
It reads **3:04**
